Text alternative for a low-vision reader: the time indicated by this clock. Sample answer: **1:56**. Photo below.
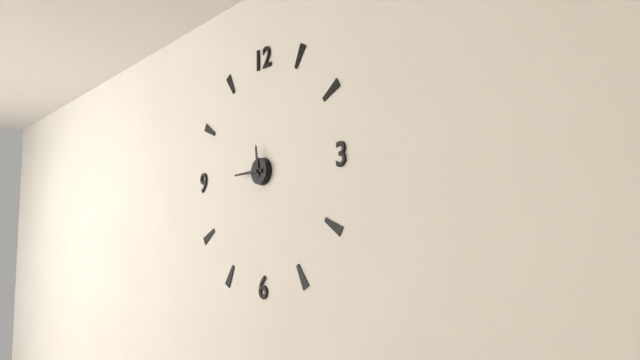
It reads **11:45**
